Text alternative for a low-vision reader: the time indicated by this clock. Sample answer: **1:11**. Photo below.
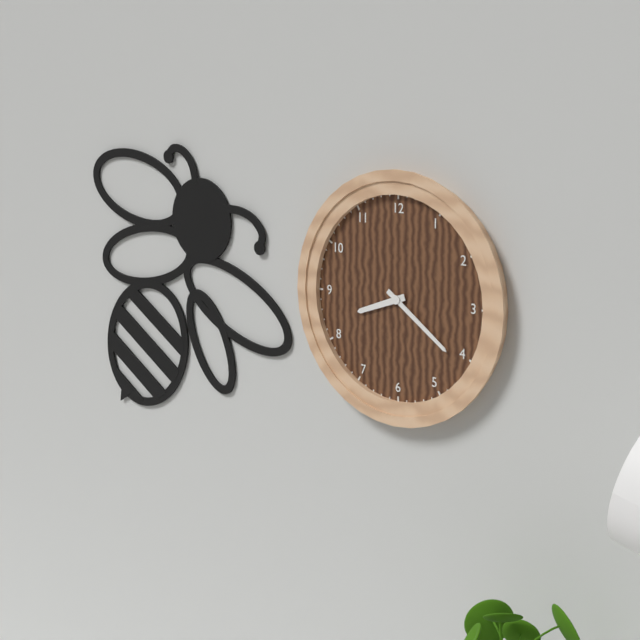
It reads **8:21**
